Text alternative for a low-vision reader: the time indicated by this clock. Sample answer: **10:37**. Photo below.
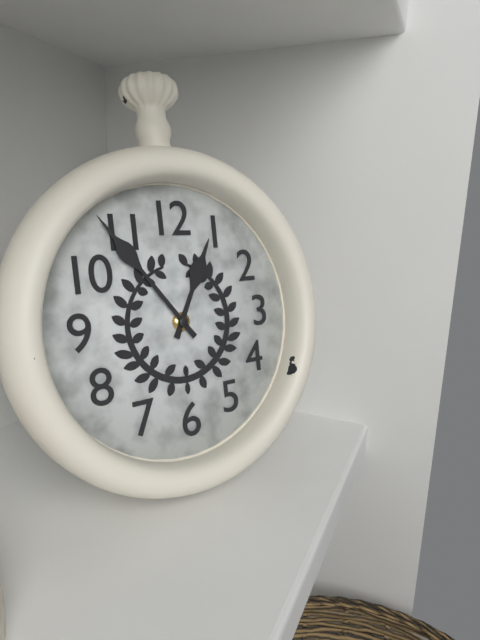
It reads **12:54**
